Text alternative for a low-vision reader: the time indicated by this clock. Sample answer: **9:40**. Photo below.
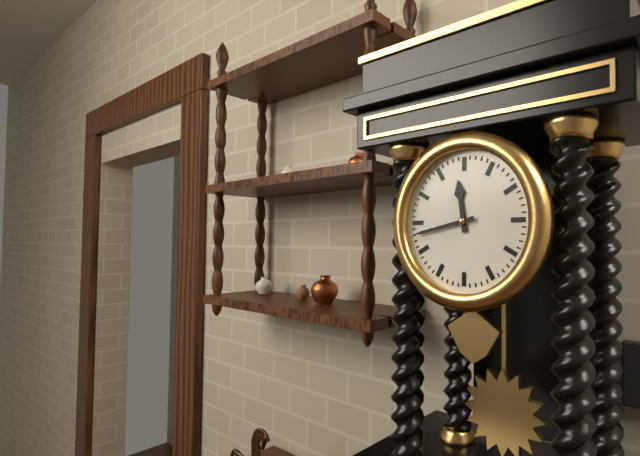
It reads **11:43**
